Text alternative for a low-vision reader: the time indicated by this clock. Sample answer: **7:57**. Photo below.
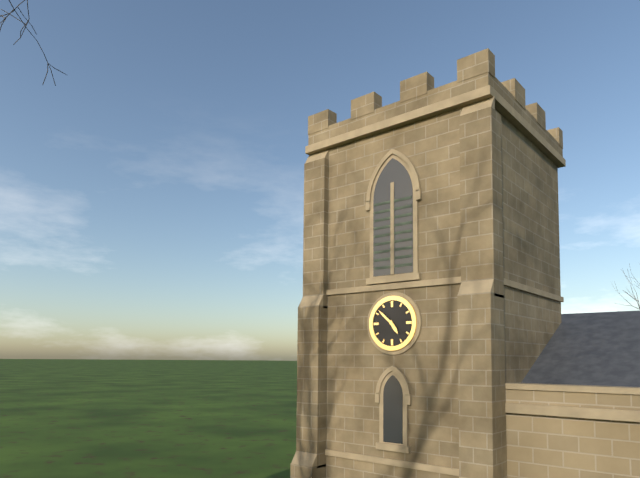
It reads **4:52**
